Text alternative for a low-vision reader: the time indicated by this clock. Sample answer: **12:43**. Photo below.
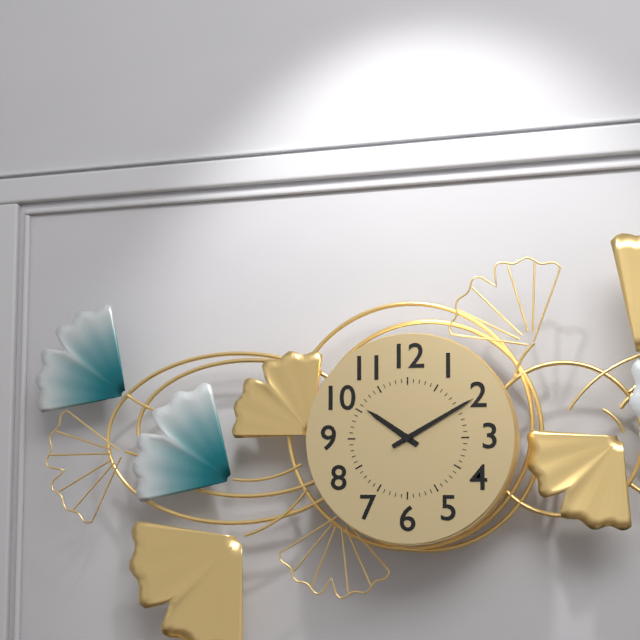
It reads **10:10**
